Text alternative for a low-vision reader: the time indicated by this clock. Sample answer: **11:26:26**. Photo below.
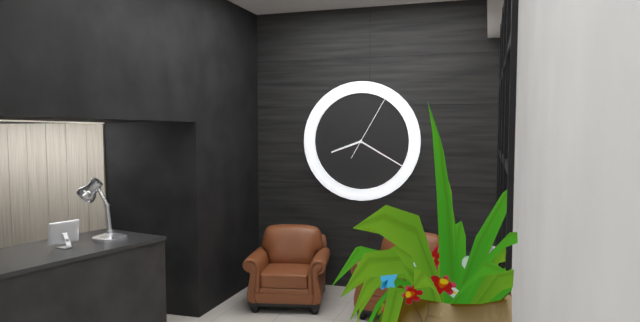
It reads **8:20:05**
